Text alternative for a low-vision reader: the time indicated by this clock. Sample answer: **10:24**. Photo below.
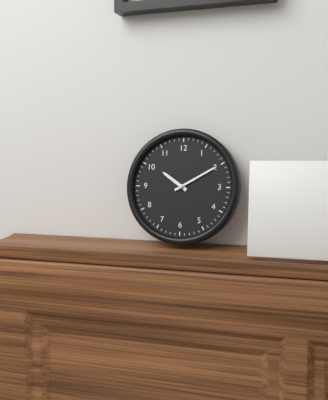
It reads **10:10**
